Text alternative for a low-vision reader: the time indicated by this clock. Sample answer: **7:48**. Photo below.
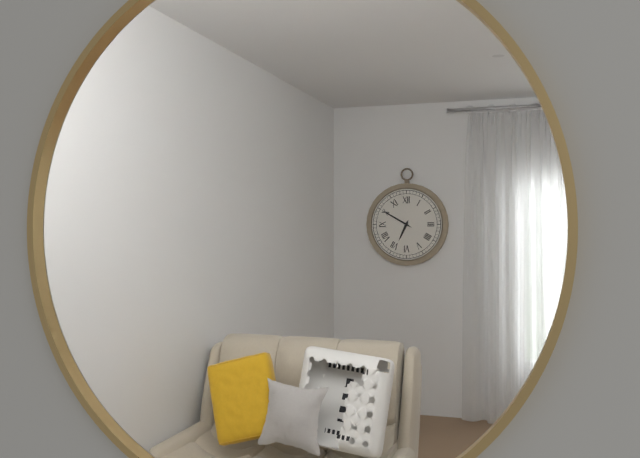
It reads **6:50**
